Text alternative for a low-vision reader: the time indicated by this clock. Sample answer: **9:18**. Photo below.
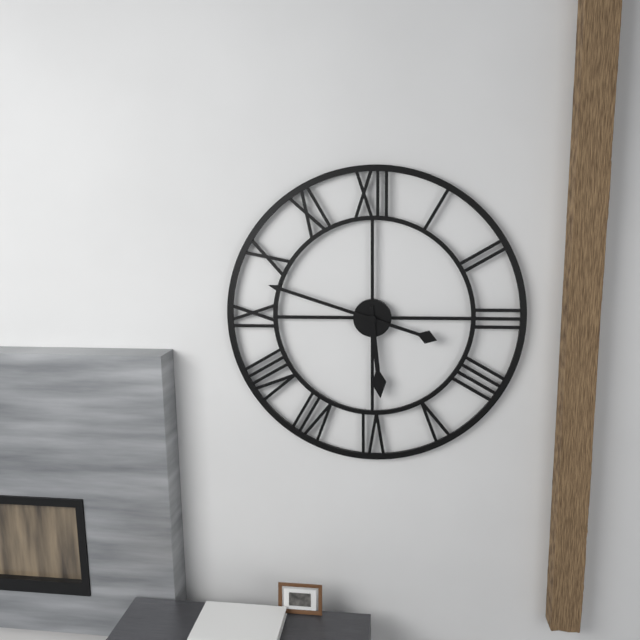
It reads **5:48**
